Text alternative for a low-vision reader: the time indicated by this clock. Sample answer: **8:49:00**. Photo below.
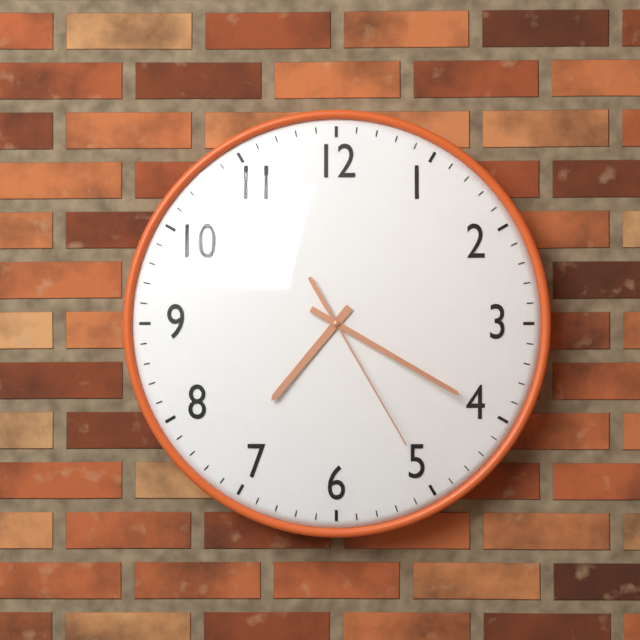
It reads **7:20:25**
